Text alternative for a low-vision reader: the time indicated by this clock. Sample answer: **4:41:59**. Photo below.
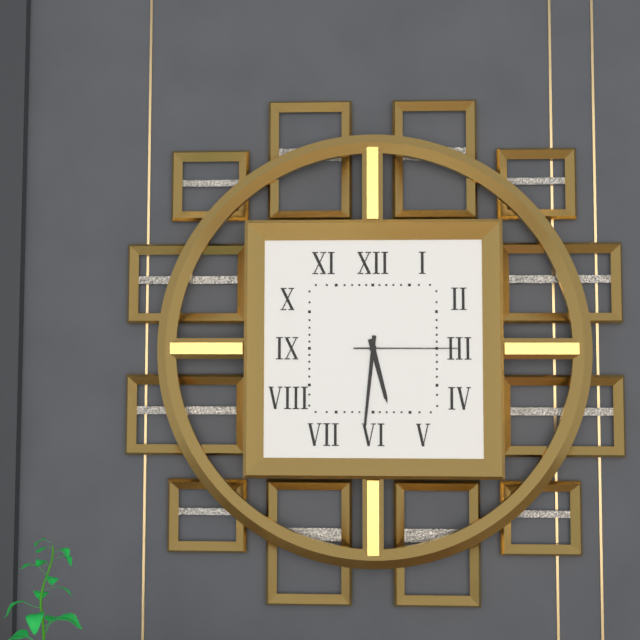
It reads **5:31:15**
